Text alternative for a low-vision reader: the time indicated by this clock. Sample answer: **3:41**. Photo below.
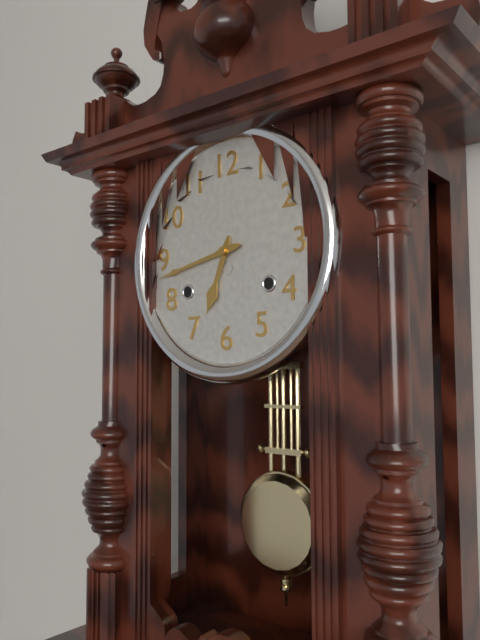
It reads **6:43**
